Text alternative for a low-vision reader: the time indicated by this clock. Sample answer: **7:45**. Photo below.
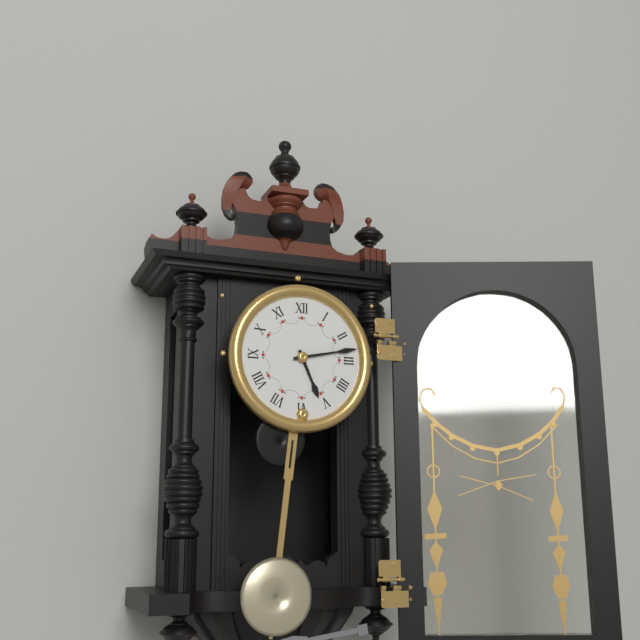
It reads **5:13**
